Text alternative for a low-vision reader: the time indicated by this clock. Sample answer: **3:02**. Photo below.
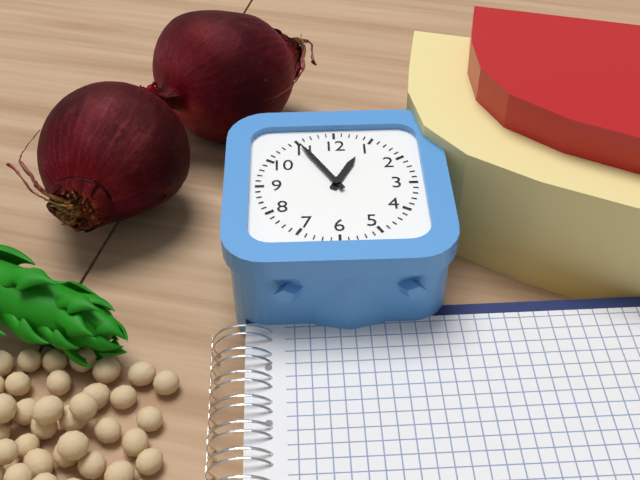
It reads **12:55**
